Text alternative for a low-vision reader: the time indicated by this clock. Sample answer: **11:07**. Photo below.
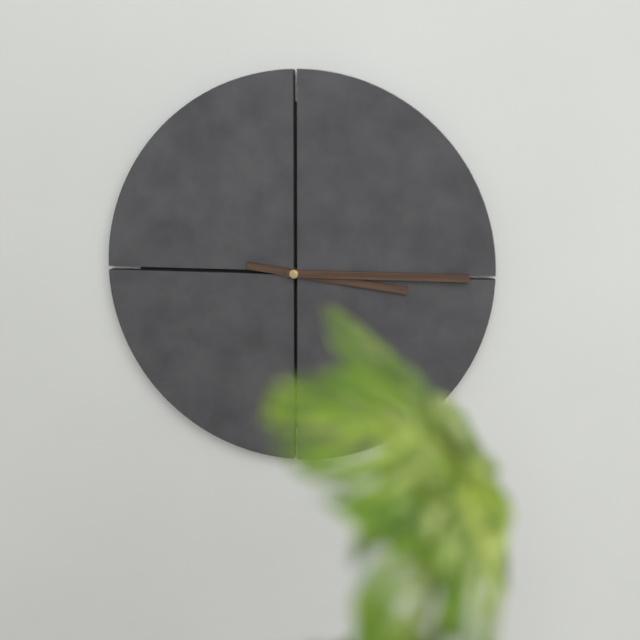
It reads **3:15**
